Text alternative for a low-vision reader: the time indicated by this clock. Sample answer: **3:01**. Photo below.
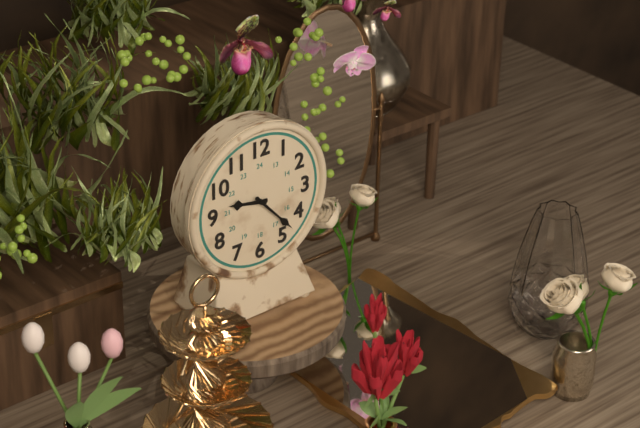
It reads **9:23**
